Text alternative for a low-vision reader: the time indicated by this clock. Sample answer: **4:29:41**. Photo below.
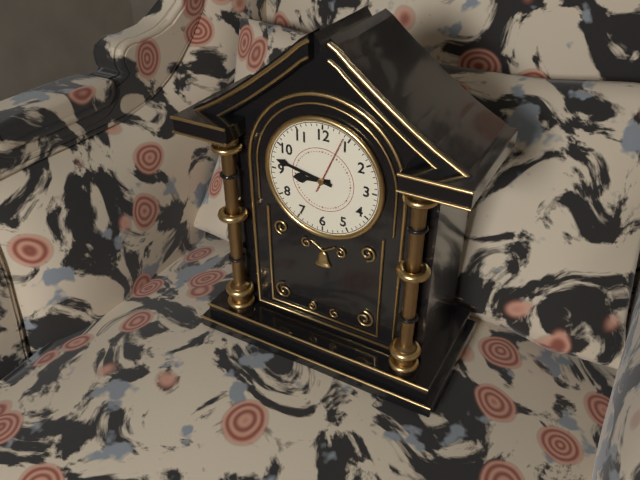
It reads **8:47:04**
